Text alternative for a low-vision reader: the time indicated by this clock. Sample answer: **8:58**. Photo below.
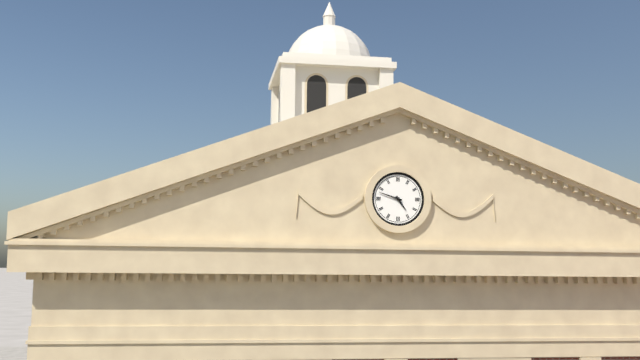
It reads **4:48**
